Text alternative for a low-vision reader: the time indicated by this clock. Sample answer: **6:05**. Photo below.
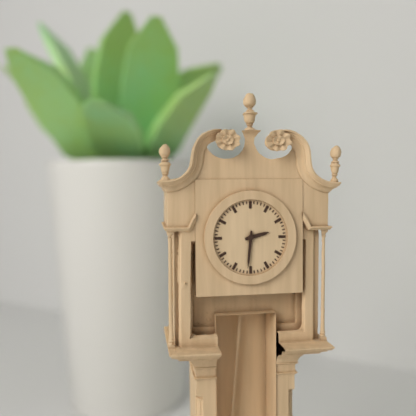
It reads **2:31**
